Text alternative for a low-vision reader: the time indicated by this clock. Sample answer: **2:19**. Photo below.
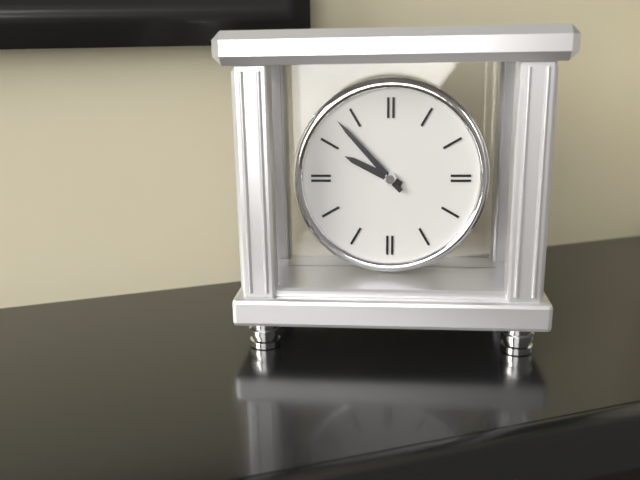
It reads **9:53**
